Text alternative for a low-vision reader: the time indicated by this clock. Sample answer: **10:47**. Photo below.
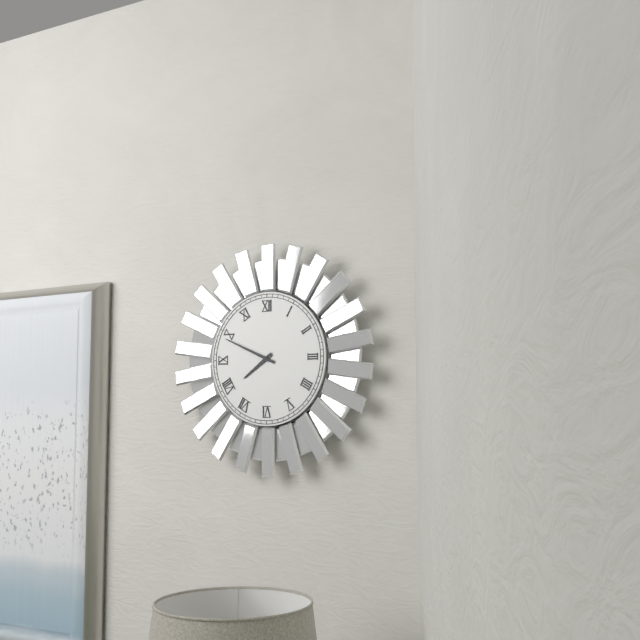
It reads **7:49**
